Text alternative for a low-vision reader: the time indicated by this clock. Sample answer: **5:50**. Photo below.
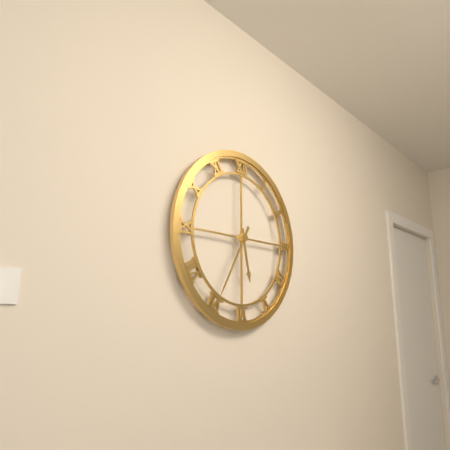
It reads **5:35**
